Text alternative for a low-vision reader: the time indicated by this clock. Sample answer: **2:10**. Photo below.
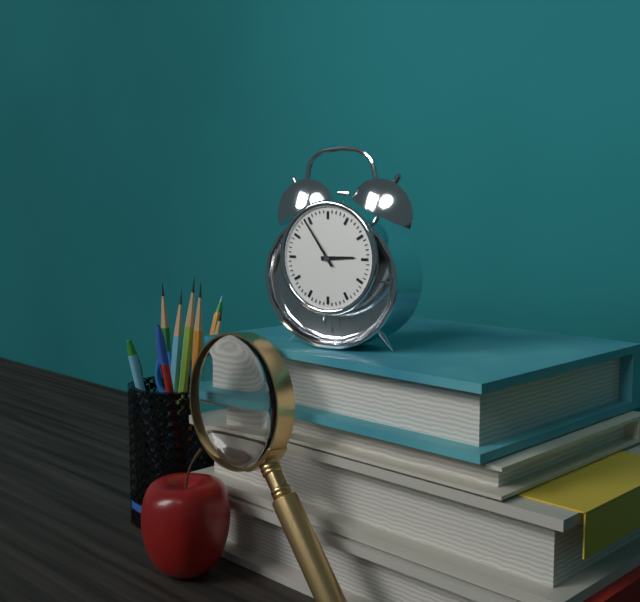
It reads **2:54**
